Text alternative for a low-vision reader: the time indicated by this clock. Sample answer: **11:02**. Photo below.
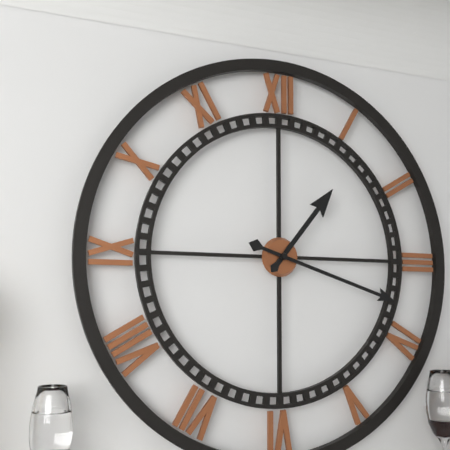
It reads **1:18**
